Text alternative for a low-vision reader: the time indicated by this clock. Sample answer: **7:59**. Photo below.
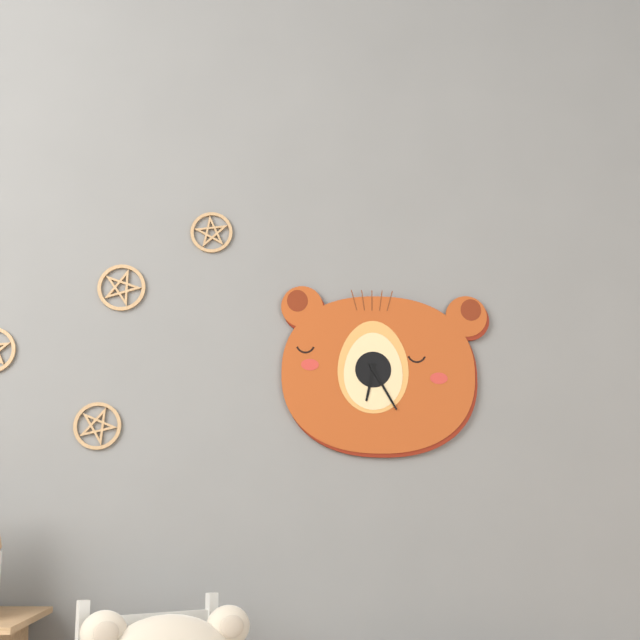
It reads **6:25**
